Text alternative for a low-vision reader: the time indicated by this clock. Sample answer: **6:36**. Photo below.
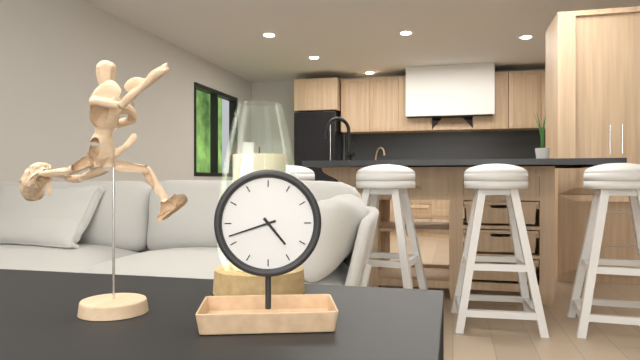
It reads **4:42**
